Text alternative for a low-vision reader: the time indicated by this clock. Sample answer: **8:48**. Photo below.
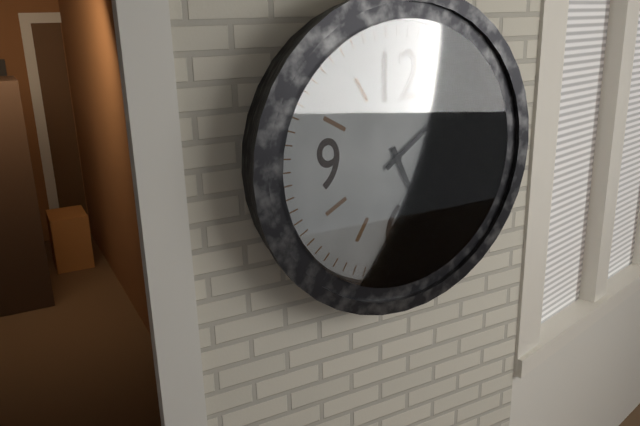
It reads **5:09**
